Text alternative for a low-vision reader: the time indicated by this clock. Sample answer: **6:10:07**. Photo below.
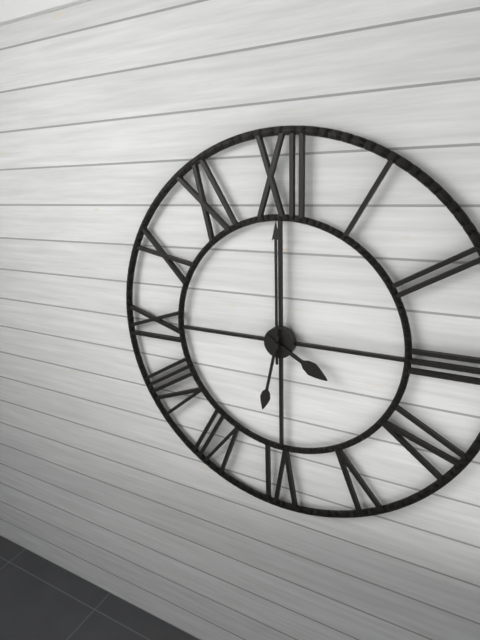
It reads **4:00:32**
